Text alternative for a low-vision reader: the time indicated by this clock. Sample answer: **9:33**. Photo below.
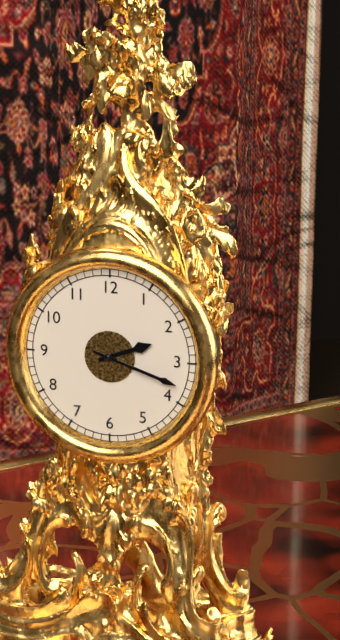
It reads **2:18**
